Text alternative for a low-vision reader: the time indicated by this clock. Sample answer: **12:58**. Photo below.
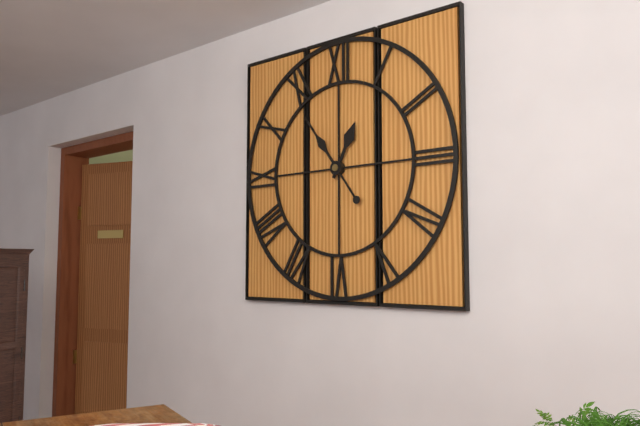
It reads **12:54**
